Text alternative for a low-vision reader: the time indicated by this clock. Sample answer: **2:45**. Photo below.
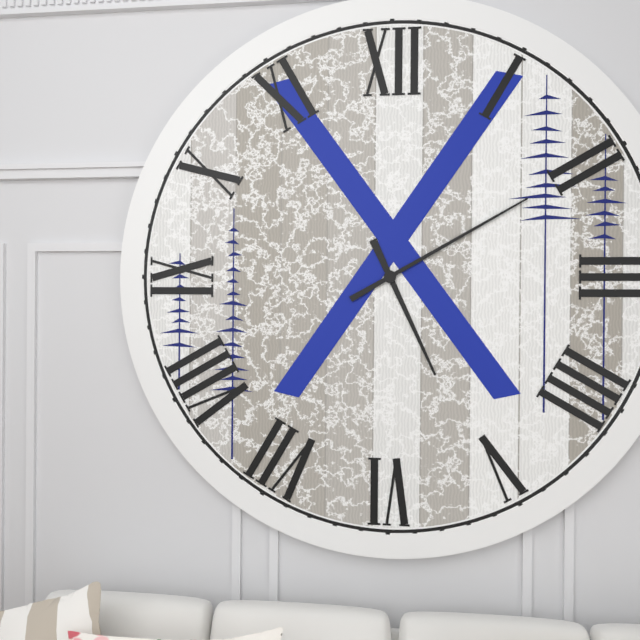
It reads **5:10**
